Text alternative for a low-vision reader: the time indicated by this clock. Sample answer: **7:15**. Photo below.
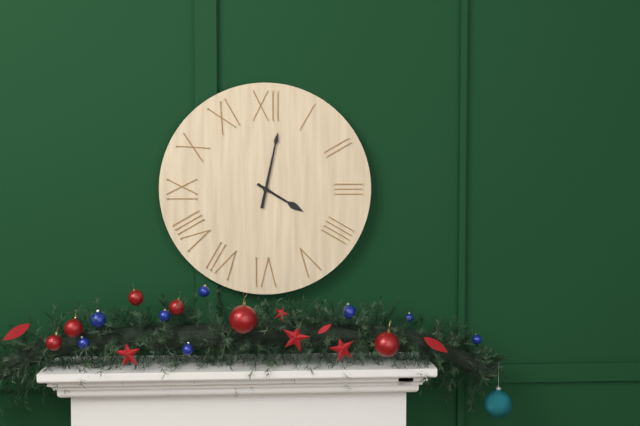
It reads **4:02**
